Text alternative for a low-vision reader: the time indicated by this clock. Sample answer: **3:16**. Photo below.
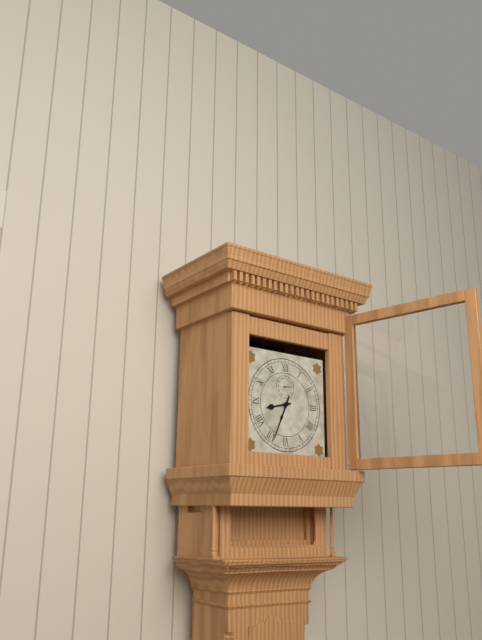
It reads **8:34**
